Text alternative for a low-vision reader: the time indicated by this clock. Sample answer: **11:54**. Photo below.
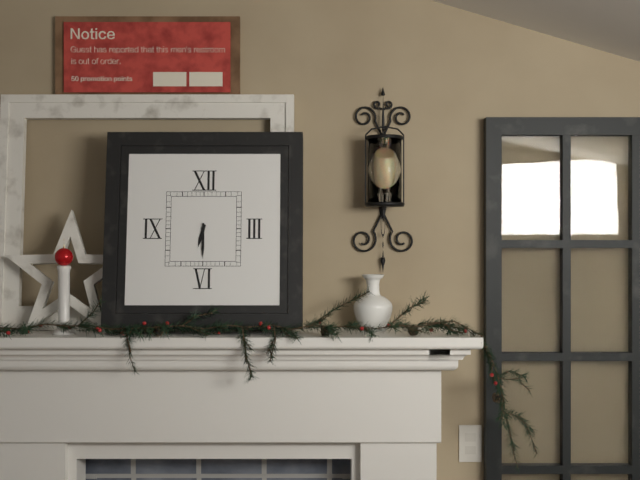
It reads **6:30**
